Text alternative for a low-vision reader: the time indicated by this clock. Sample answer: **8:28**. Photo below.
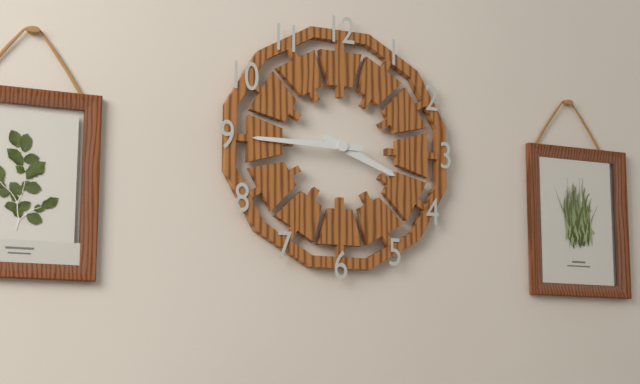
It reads **3:45**
